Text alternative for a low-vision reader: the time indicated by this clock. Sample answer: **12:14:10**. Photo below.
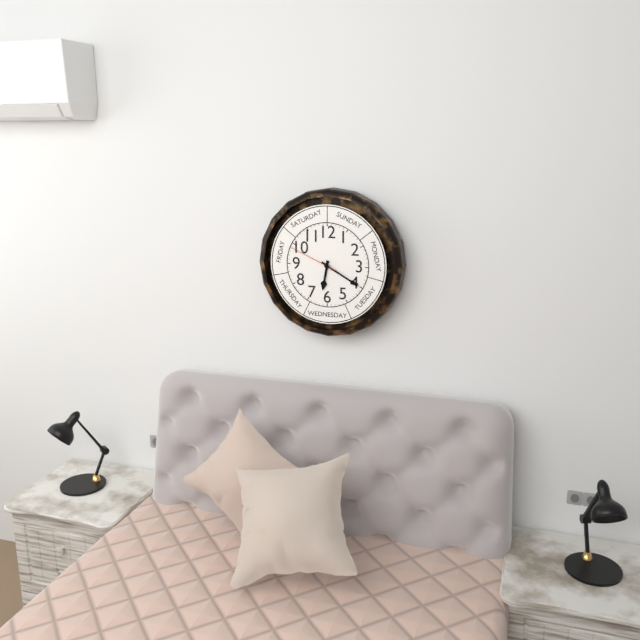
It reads **6:20:49**
